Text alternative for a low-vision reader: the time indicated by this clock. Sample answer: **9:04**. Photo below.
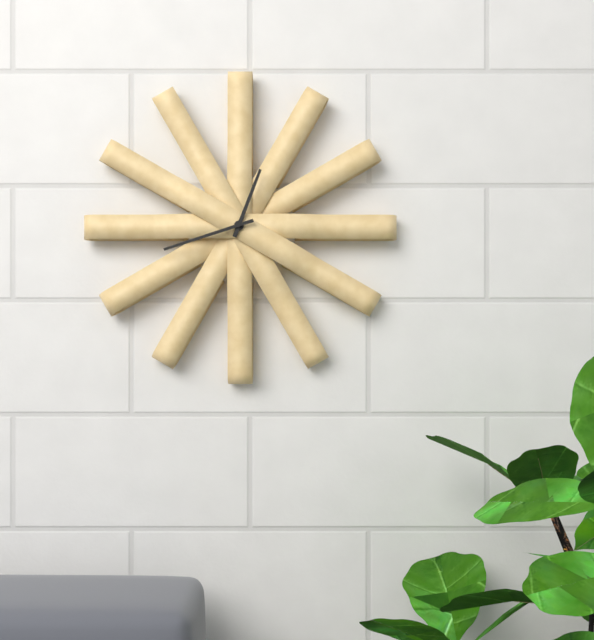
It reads **12:42**
